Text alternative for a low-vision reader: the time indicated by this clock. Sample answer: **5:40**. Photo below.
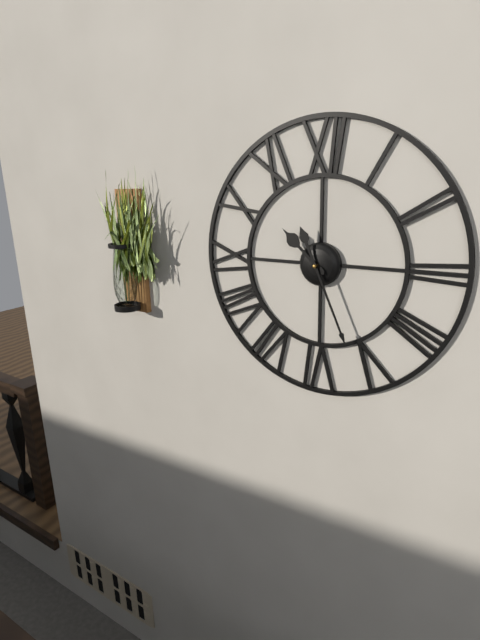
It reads **10:26**
